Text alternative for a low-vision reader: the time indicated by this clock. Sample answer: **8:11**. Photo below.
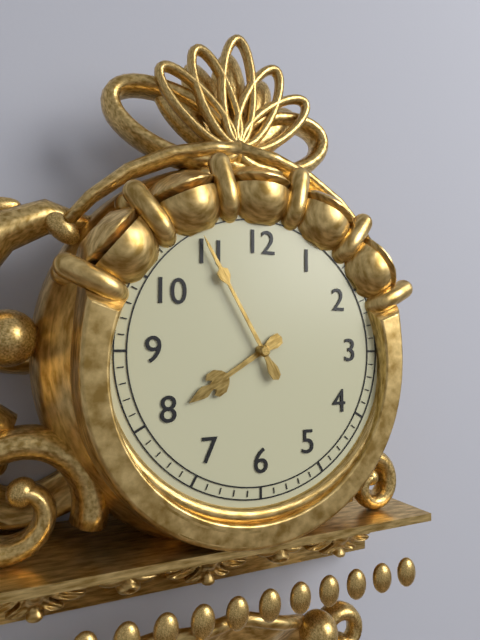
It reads **7:55**
